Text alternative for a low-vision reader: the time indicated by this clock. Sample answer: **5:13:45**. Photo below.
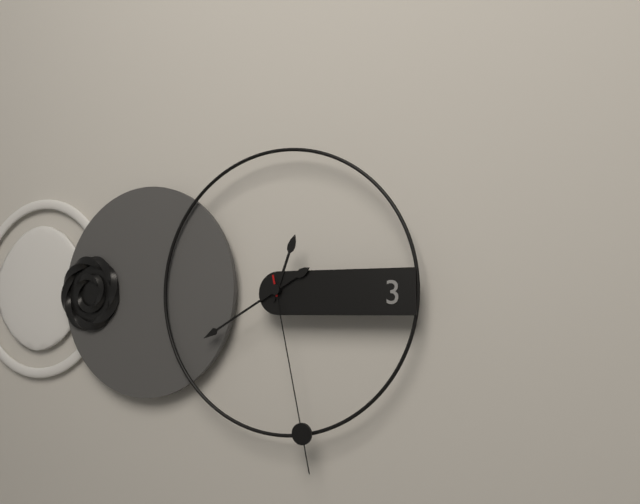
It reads **12:40:28**
